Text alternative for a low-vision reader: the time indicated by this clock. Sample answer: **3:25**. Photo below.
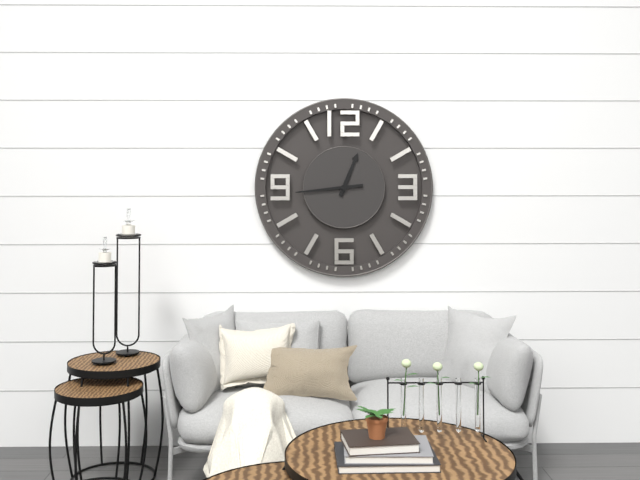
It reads **12:44**
